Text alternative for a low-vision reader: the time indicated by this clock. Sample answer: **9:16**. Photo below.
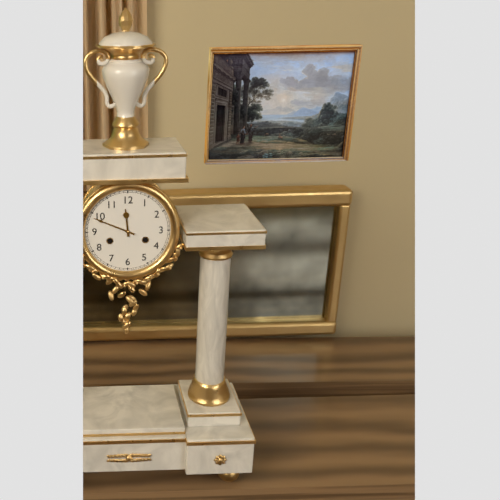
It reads **11:49**
